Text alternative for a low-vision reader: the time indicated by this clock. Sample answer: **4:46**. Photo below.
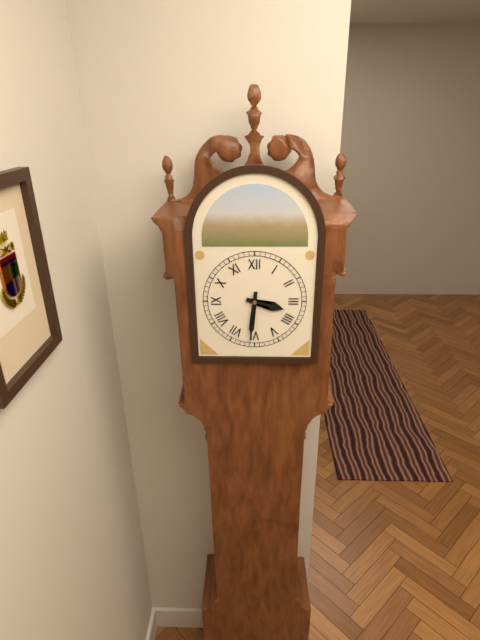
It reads **3:31**
